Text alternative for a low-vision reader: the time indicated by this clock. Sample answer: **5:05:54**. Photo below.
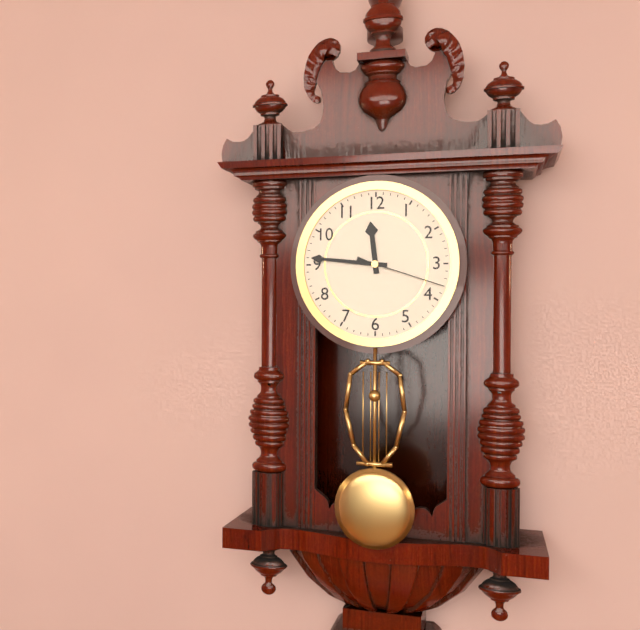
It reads **11:46:18**
